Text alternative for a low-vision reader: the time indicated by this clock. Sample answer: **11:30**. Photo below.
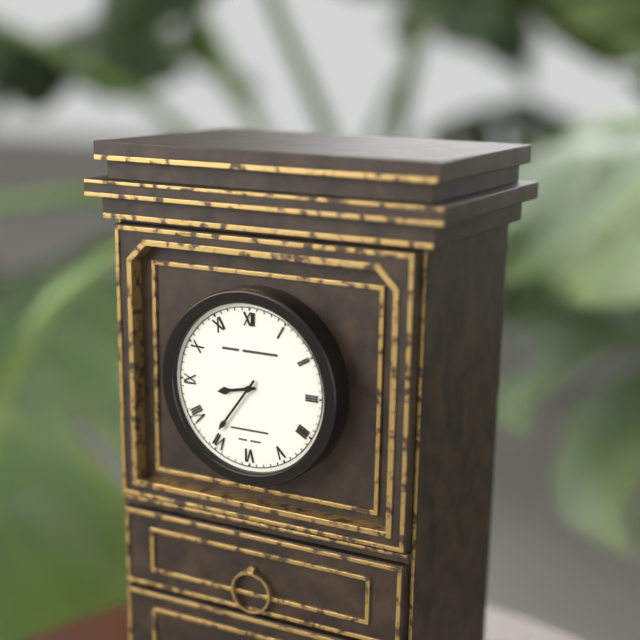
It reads **8:36**
